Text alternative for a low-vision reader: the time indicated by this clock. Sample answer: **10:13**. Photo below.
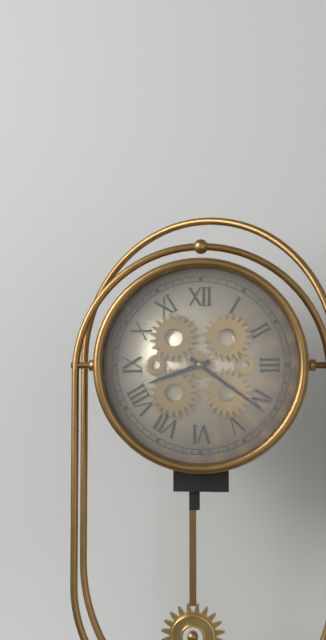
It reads **8:21**
